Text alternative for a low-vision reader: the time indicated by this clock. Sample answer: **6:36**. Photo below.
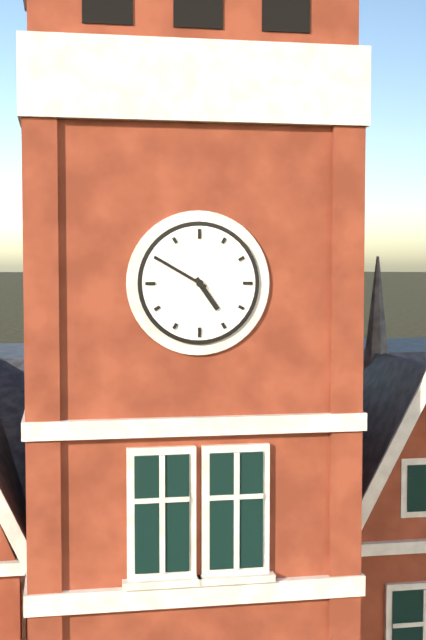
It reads **4:50**
